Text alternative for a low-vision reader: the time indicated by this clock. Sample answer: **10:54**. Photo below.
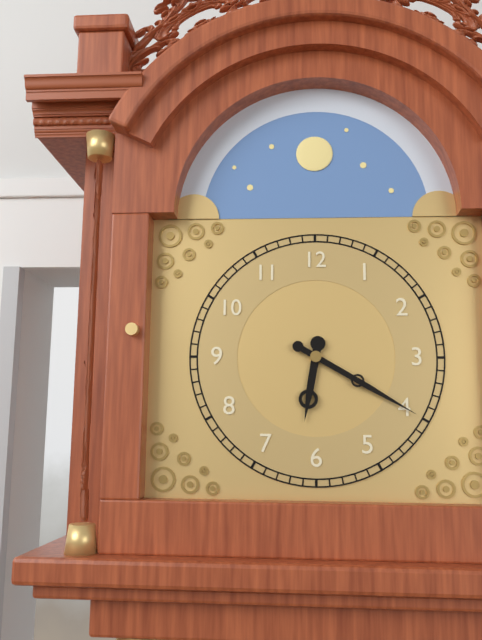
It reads **6:20**
